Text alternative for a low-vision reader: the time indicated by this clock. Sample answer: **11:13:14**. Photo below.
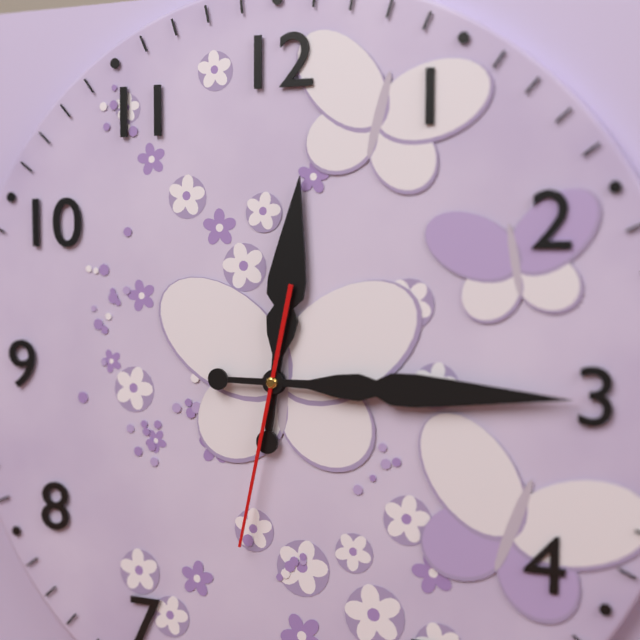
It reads **12:15:32**
